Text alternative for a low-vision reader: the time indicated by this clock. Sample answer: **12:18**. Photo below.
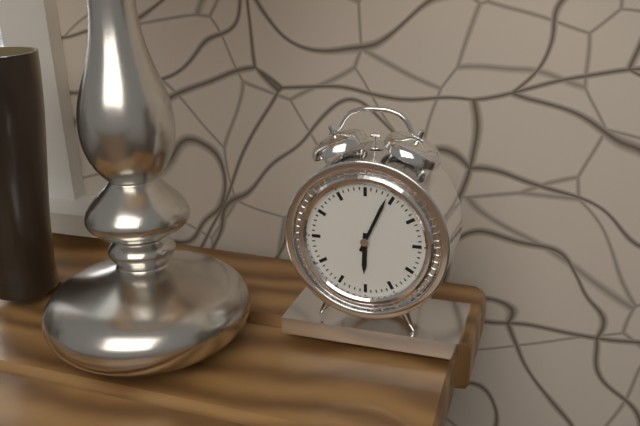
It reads **6:04**
